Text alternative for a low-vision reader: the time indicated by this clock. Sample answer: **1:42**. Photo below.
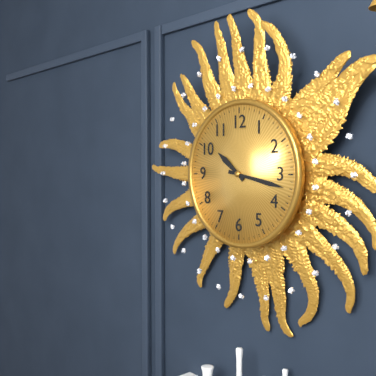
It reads **10:17**
